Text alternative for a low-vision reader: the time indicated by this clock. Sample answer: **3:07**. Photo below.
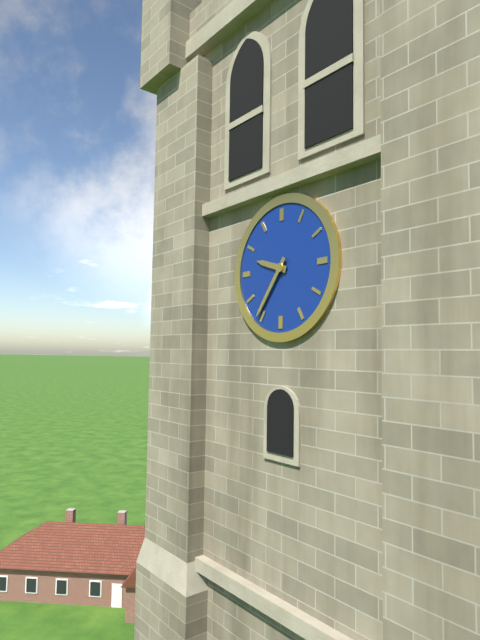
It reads **9:36**
